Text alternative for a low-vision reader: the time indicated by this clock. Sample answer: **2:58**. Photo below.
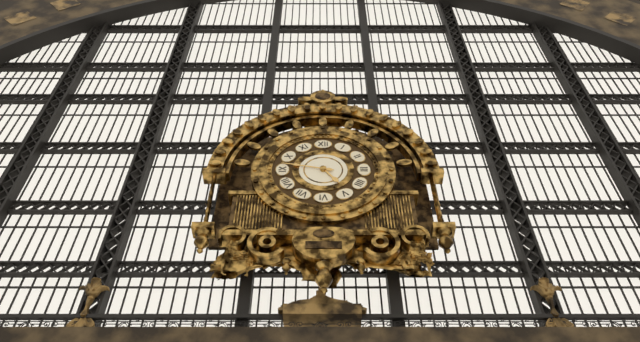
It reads **4:47**
